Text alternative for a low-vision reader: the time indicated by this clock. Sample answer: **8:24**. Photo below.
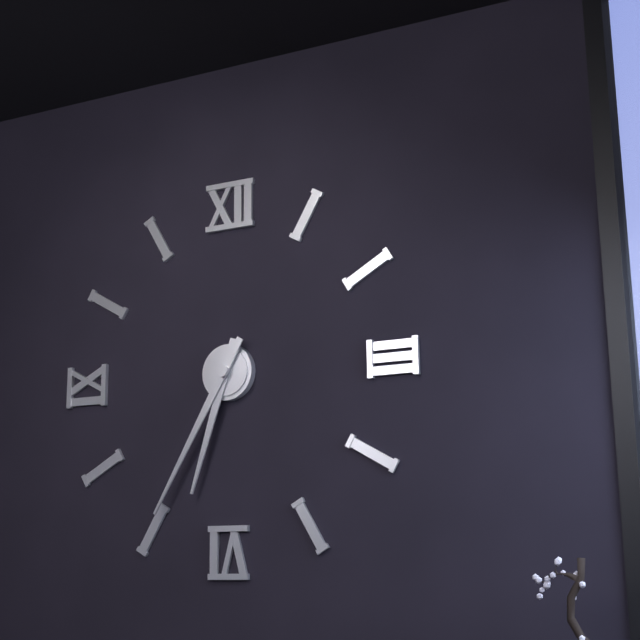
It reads **6:35**
